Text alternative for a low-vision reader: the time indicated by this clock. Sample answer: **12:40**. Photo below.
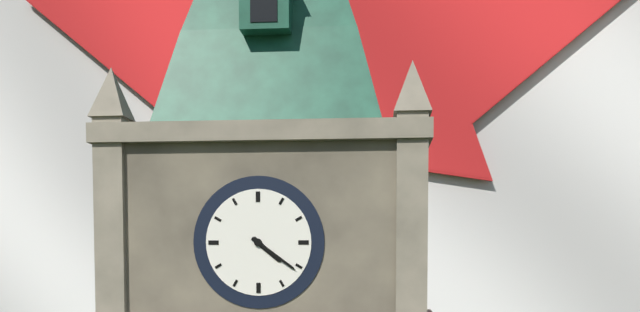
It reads **4:21**
